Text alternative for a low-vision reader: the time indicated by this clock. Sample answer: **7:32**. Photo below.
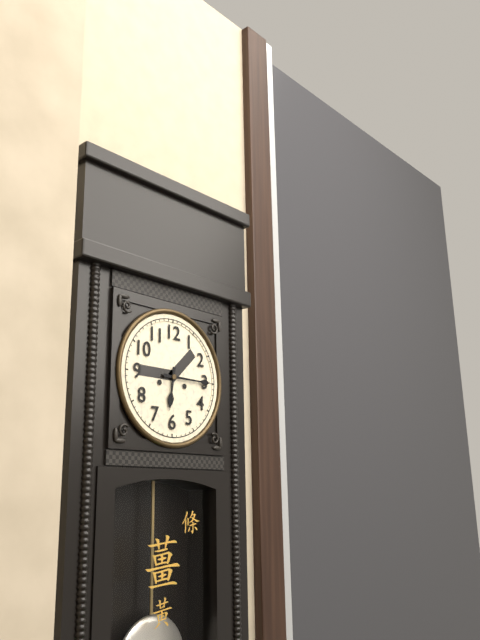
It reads **6:15**
